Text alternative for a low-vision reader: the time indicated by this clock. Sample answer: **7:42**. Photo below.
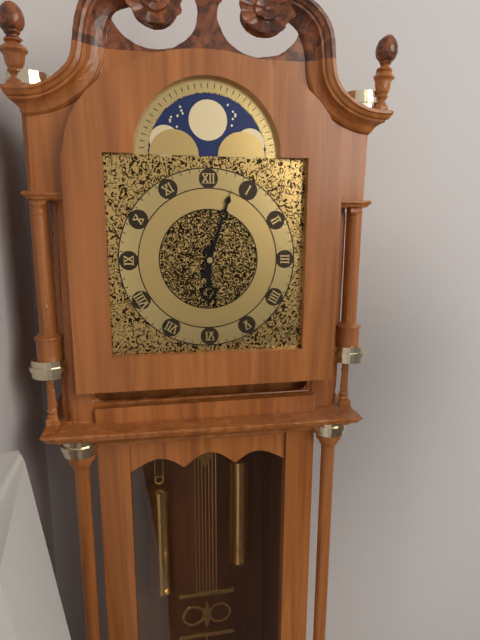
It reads **6:03**
